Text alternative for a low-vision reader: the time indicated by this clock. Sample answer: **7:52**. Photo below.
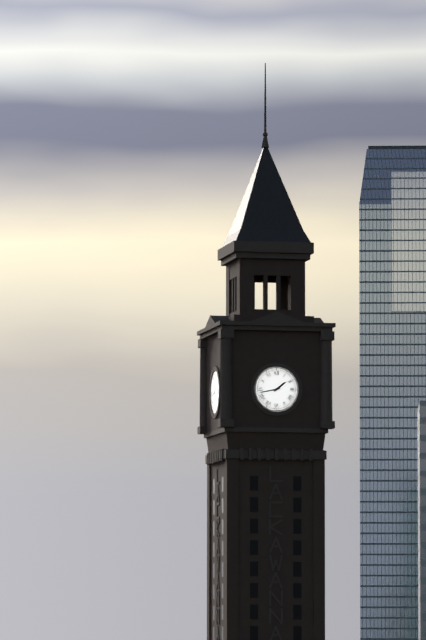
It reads **1:43**
